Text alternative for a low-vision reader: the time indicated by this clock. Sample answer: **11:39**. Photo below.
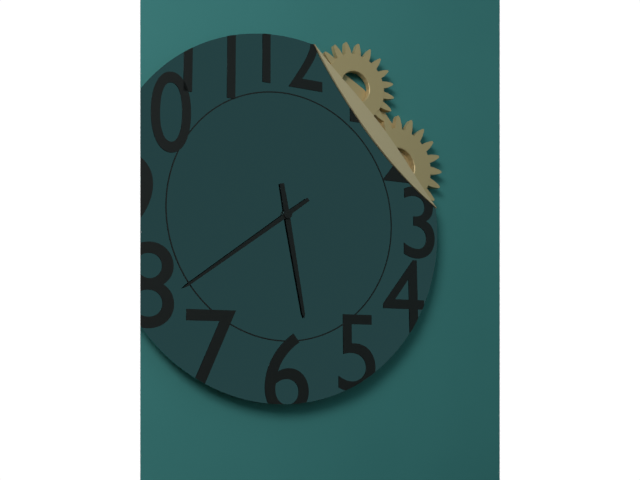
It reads **5:39**
